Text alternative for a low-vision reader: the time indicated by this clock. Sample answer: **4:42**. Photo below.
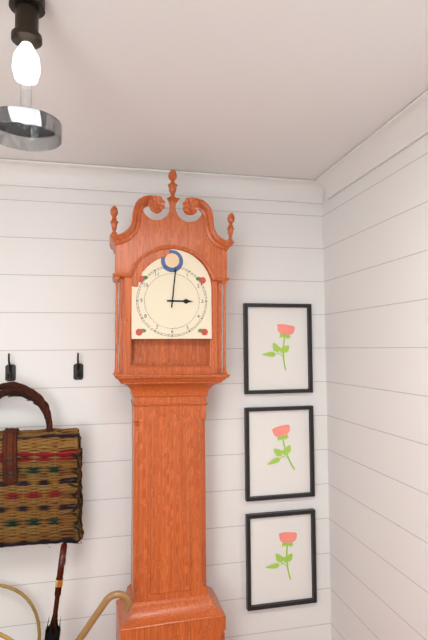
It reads **3:01**
